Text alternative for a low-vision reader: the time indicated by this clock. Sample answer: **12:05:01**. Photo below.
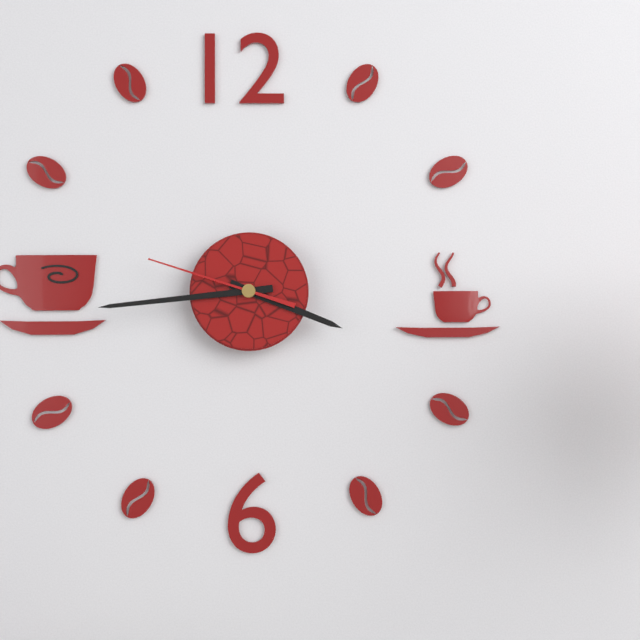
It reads **3:44:48**
